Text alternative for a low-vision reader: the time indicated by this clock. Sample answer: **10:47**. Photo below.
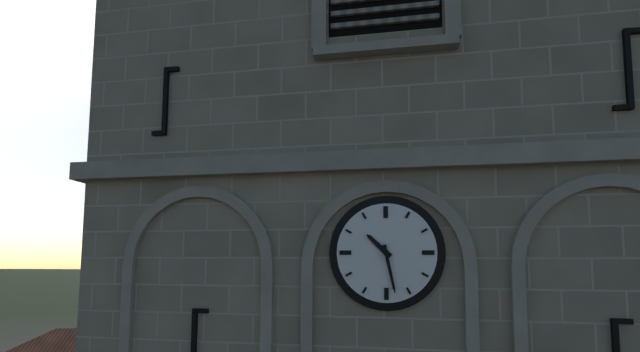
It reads **10:28**
